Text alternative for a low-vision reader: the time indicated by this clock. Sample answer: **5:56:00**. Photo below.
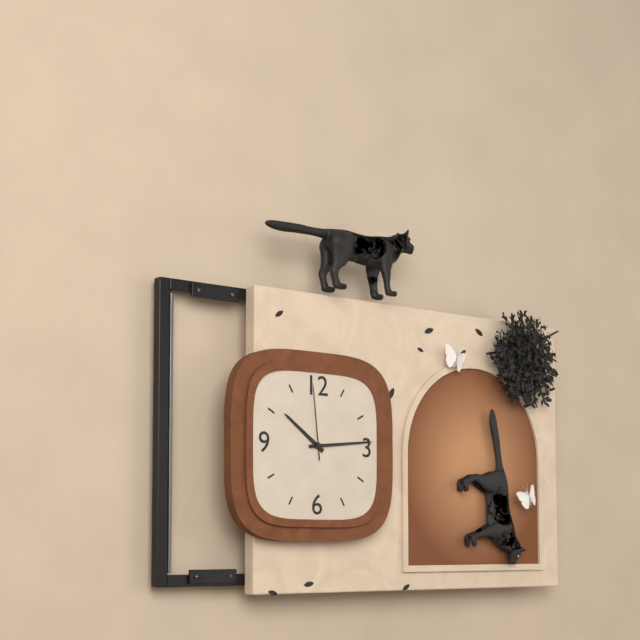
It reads **10:14:59**
